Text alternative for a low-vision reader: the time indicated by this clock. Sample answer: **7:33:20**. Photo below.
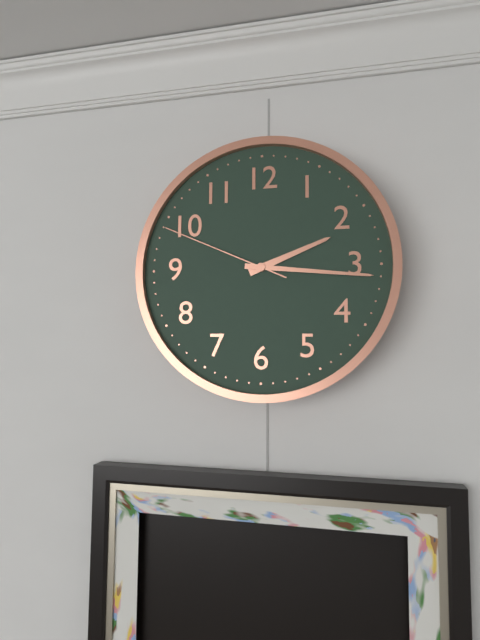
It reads **2:16:49**
